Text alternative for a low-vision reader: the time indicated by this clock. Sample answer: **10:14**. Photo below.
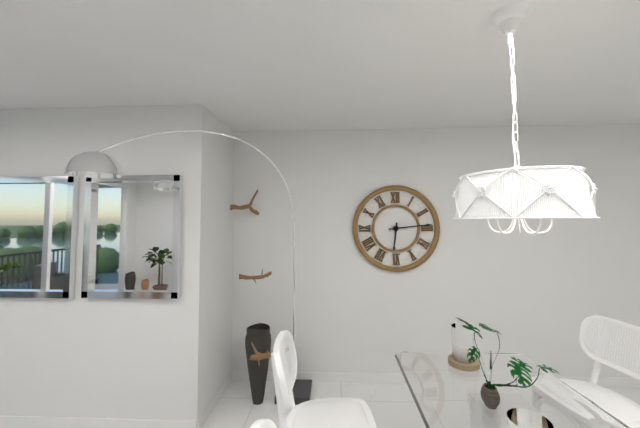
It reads **6:14**
